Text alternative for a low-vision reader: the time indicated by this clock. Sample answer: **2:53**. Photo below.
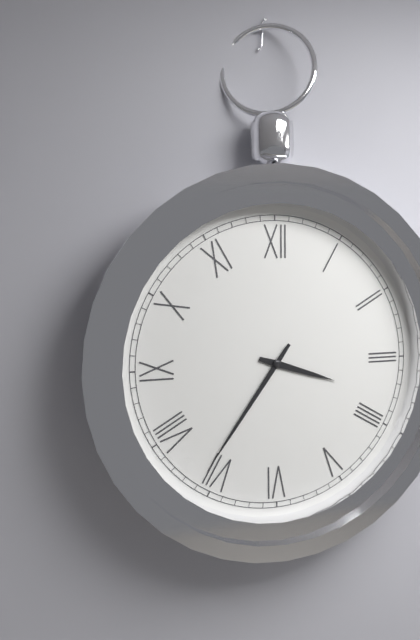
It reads **3:36**
